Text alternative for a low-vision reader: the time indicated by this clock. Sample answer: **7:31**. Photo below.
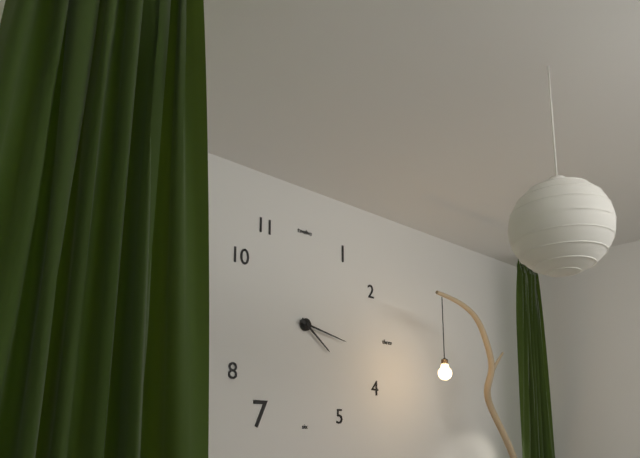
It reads **4:17**
